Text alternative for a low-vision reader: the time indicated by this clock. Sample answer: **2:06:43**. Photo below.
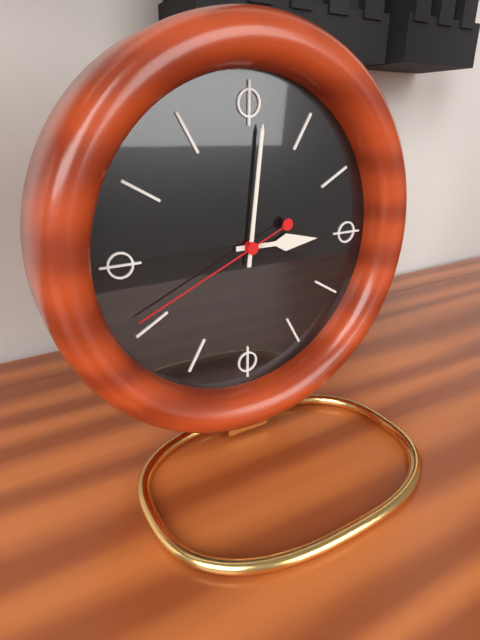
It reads **3:01:41**
